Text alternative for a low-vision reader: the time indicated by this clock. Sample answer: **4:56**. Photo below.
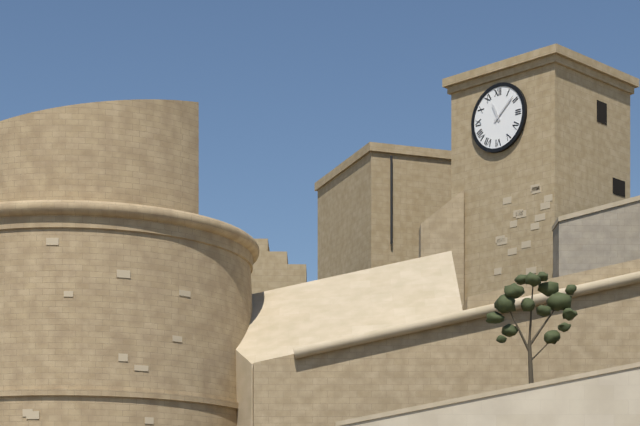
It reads **11:08**
